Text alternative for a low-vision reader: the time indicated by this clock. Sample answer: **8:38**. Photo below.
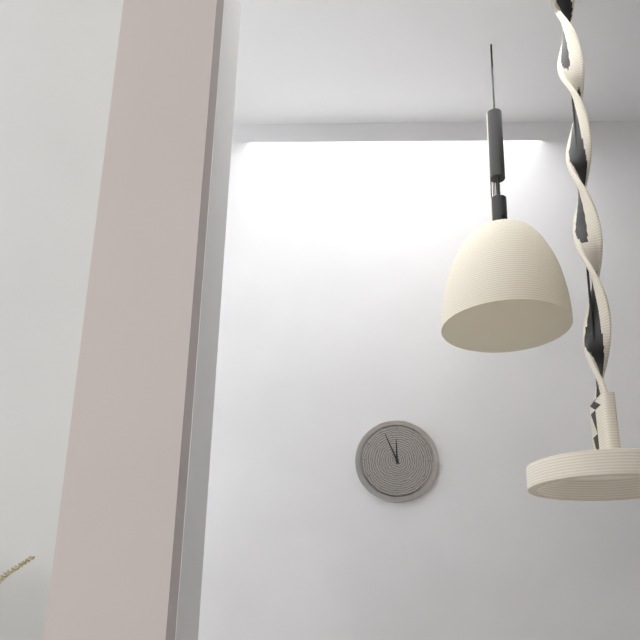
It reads **11:56**
